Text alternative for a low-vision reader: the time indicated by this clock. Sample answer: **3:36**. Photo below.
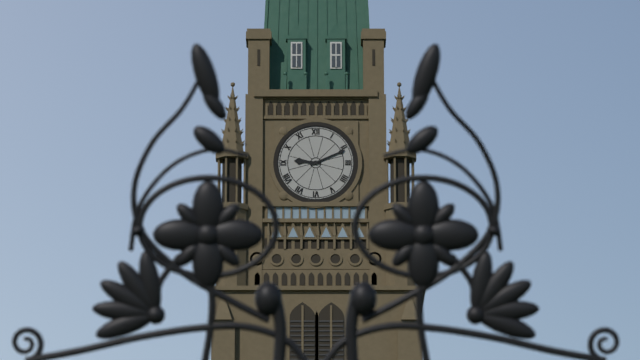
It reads **9:11**
